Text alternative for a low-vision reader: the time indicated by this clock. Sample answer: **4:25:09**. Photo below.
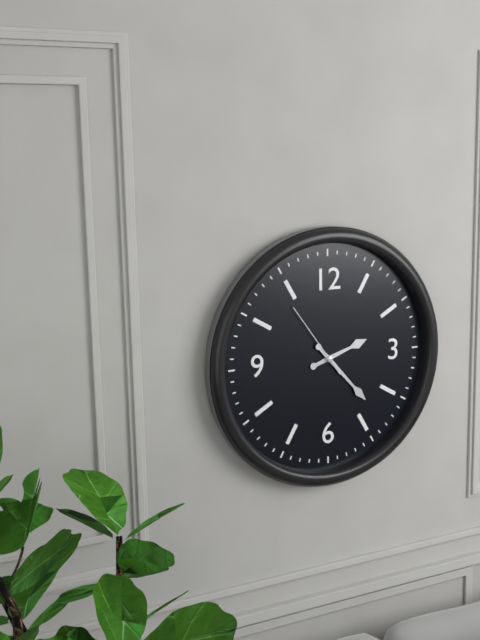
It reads **2:23:54**
